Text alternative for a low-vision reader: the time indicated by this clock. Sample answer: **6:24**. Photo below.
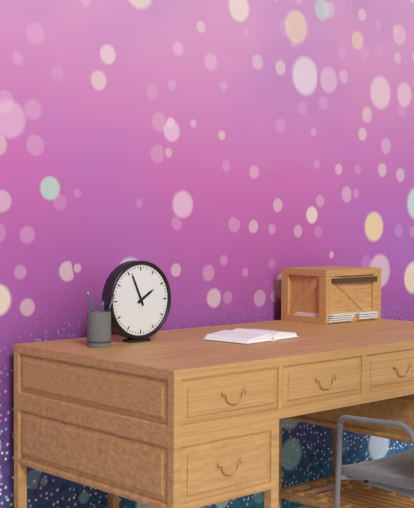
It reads **1:56**
